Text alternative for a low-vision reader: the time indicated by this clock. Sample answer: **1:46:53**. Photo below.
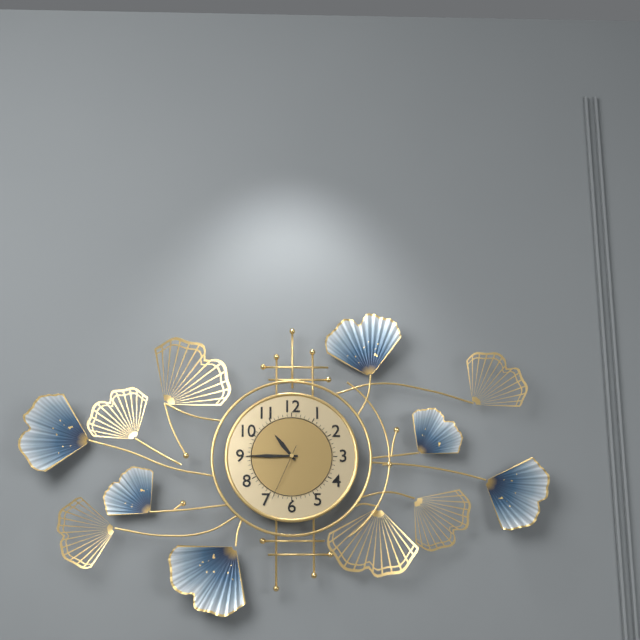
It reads **10:45:34**
